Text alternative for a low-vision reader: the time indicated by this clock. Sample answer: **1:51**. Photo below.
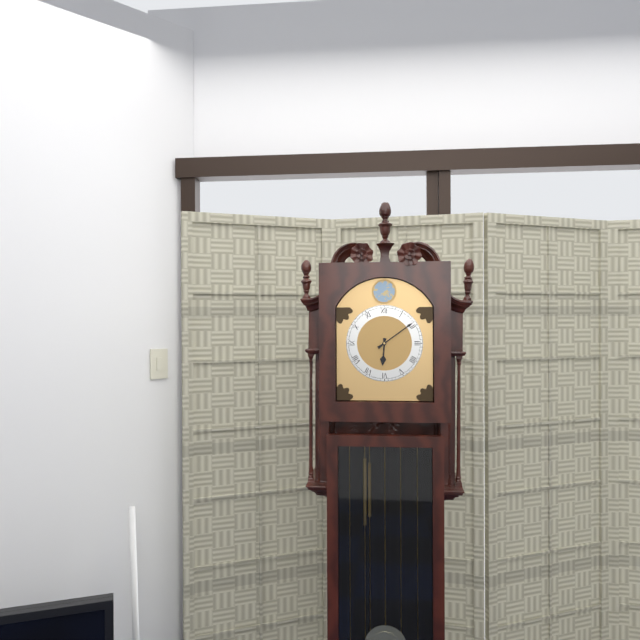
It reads **6:09**
